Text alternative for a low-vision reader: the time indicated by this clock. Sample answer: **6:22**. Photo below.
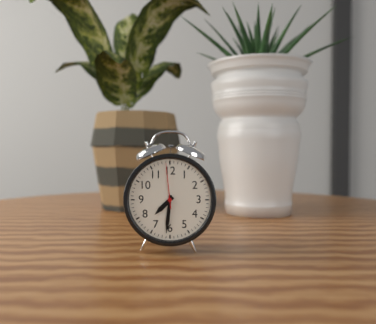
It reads **7:31**
